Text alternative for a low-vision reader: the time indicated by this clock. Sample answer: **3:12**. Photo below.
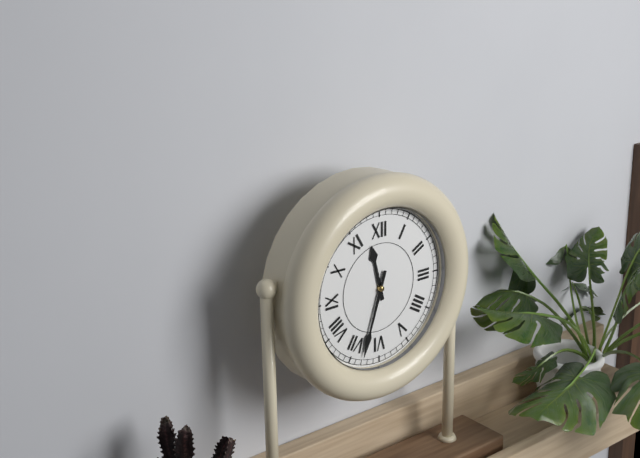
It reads **11:33**
